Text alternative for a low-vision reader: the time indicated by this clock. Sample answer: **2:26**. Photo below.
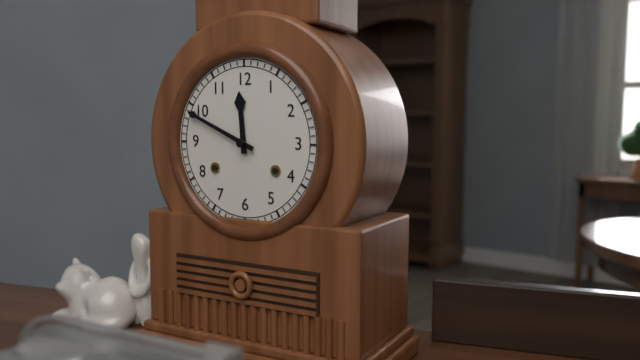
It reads **11:49**
